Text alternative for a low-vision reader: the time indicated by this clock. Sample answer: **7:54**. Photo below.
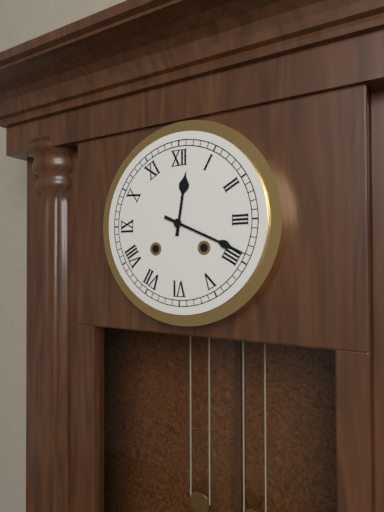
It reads **12:19**
